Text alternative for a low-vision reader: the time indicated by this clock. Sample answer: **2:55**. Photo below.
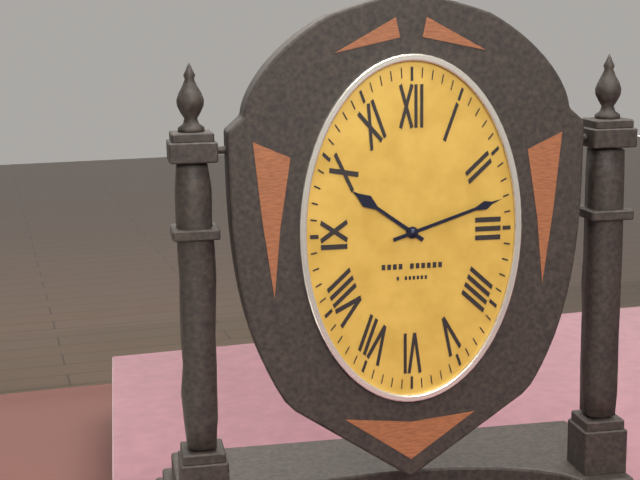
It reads **10:12**
